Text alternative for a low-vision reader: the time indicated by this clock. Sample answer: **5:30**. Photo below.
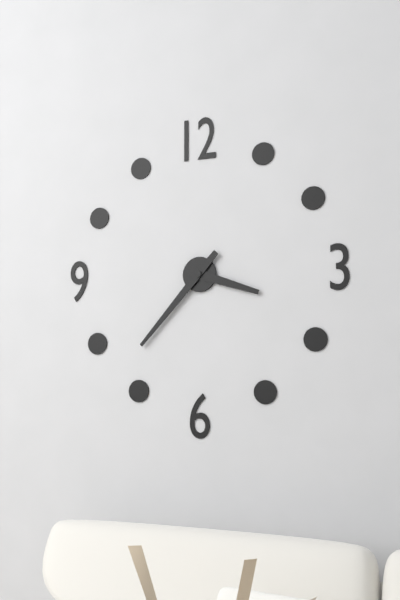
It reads **3:37**
